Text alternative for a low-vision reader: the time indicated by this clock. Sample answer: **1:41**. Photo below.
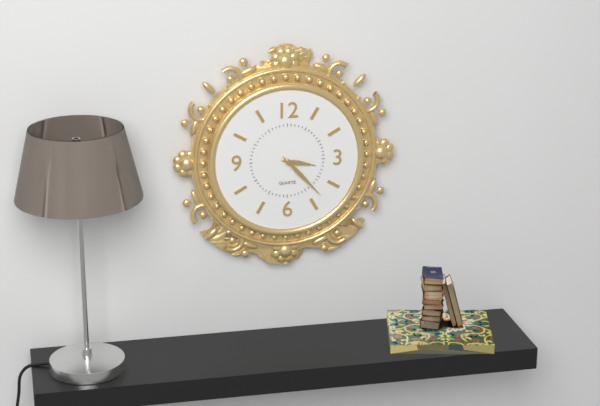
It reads **3:23**
